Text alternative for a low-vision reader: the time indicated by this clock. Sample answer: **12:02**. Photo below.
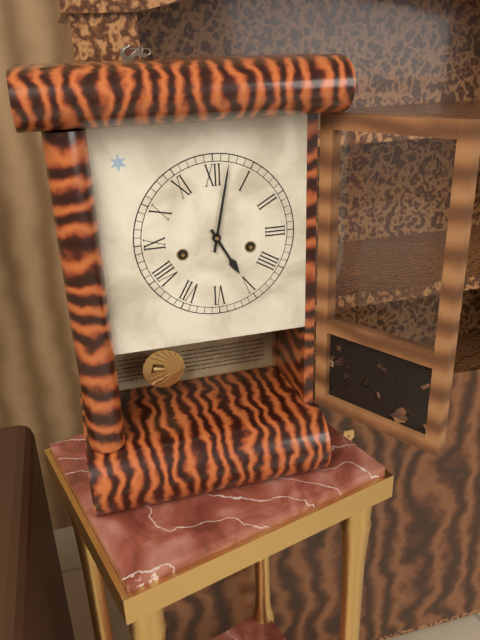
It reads **5:02**
